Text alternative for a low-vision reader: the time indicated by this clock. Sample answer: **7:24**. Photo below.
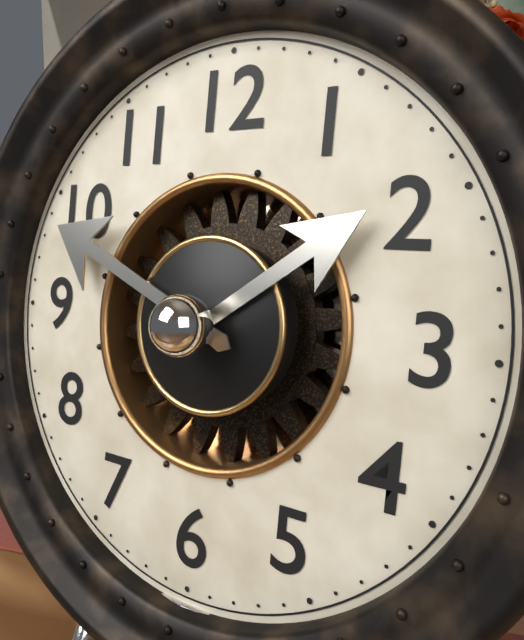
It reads **1:49**
